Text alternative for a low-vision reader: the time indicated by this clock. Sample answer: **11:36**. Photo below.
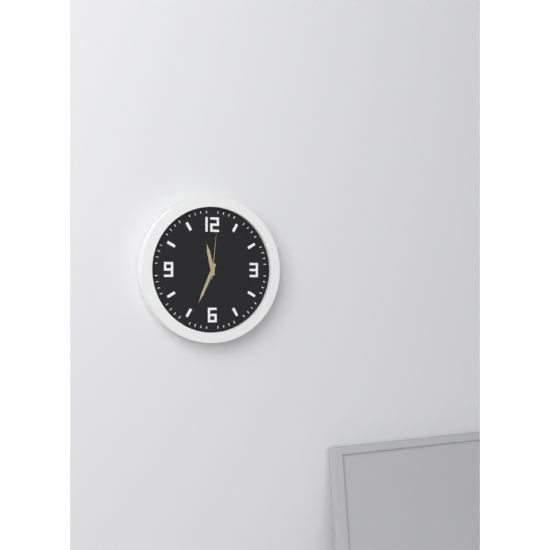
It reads **11:34**
